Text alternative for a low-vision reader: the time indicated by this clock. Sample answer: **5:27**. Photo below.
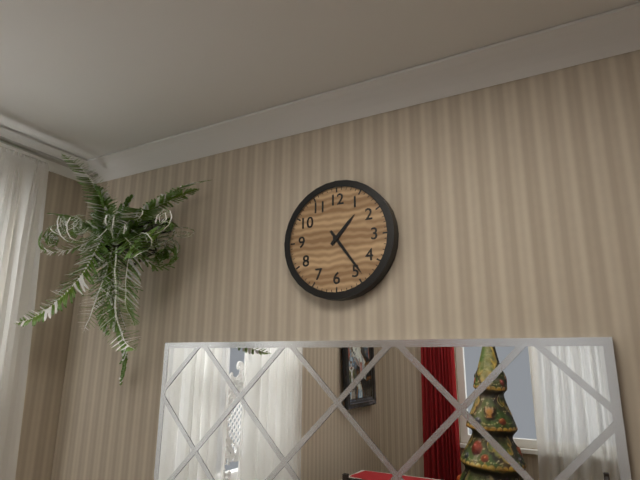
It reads **1:24**
